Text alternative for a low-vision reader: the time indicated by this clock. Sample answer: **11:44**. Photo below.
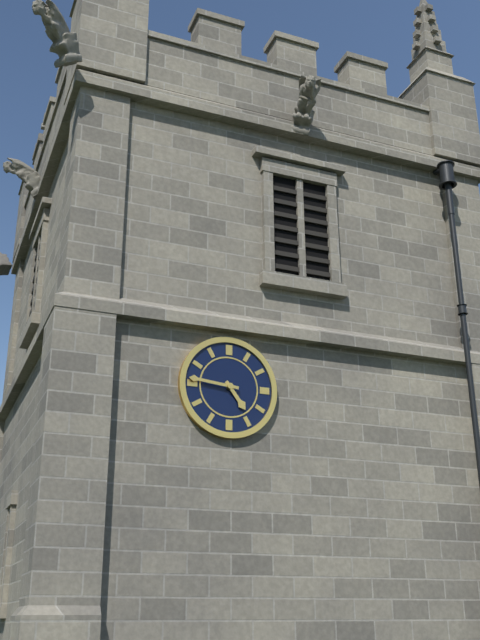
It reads **4:46**
